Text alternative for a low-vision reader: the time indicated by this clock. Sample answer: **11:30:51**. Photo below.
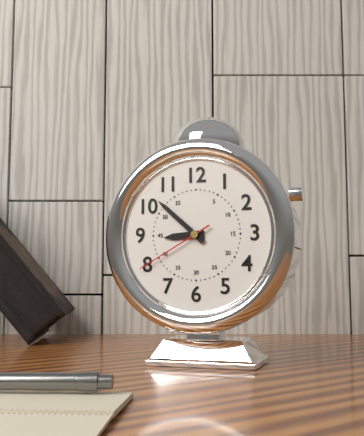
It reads **8:52:40**
